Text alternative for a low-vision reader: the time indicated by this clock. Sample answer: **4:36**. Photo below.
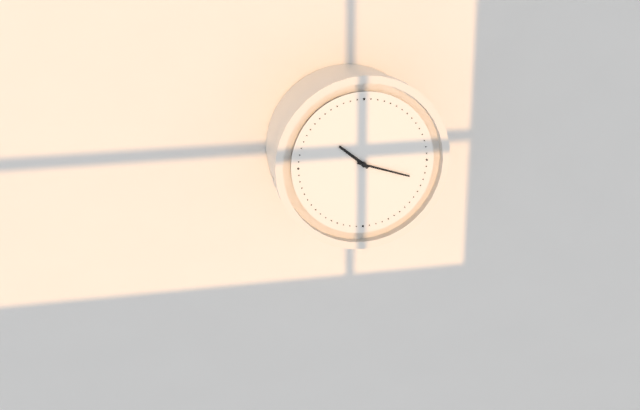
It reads **10:18**
